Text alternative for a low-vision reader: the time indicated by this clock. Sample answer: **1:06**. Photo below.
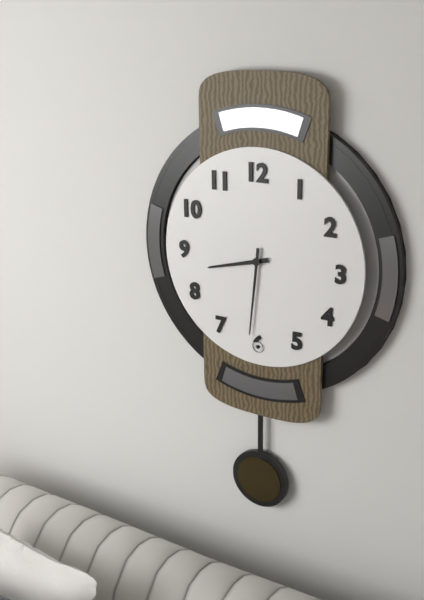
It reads **8:31**
